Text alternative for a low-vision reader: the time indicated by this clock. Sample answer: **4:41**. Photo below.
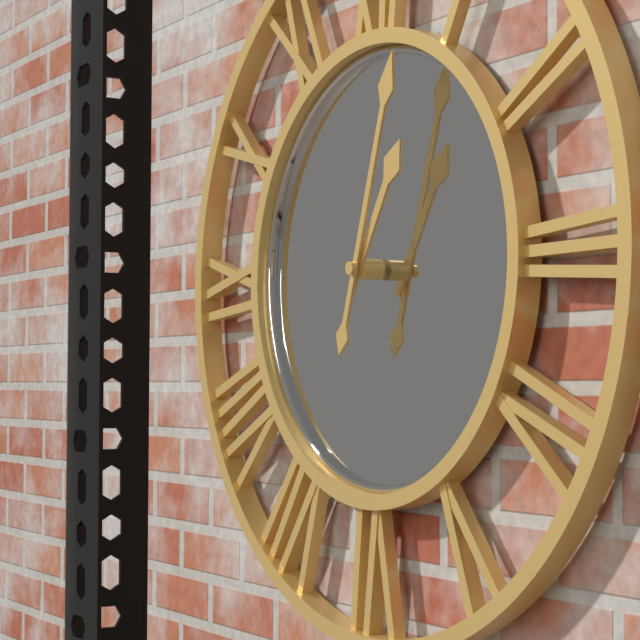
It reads **1:03**
